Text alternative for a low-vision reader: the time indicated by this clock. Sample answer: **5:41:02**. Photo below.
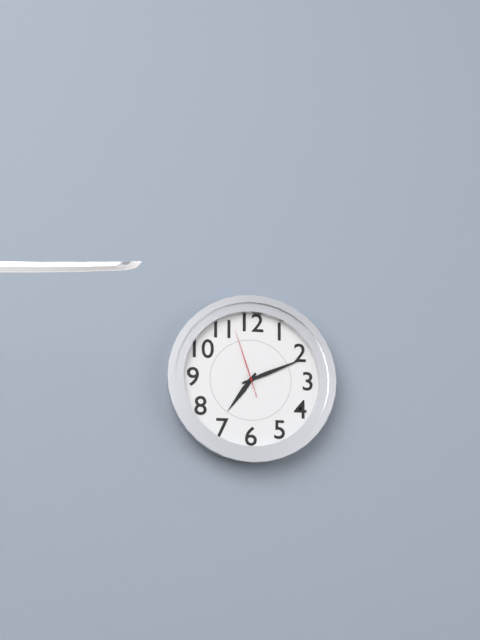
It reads **7:11:57**
